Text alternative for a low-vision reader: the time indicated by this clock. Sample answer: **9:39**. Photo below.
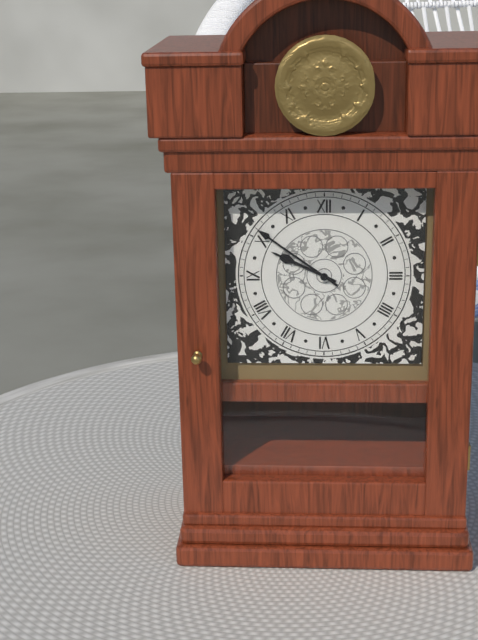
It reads **9:51**
